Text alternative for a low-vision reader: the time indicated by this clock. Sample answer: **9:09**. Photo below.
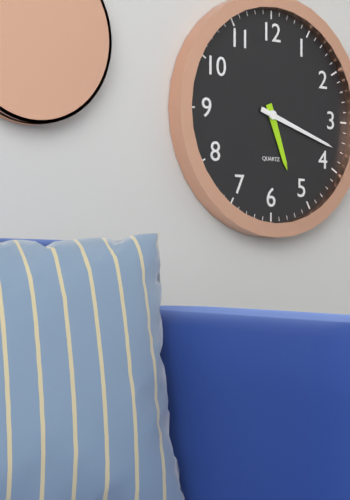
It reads **5:18**
